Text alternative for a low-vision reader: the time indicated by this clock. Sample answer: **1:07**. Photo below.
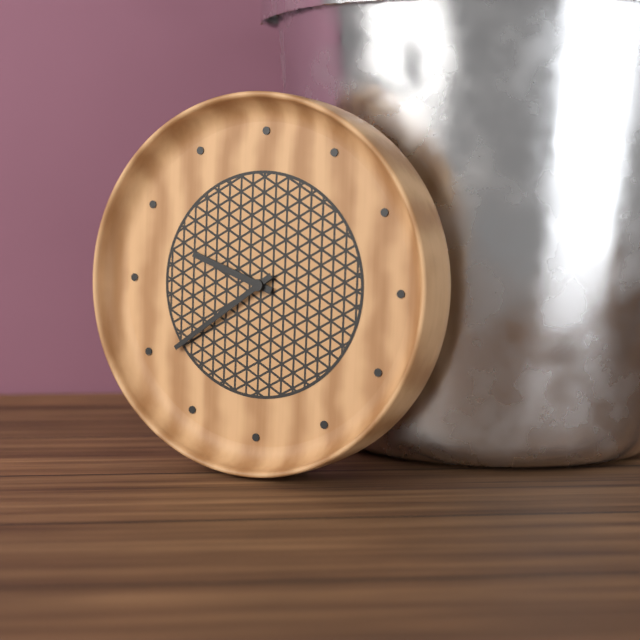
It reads **9:39**
